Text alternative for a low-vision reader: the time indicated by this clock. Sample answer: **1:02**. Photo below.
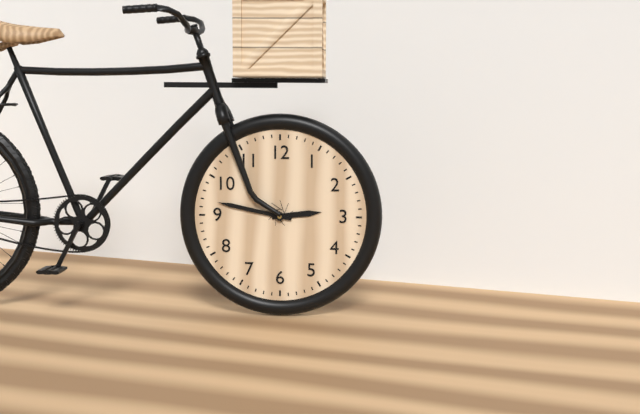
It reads **2:47**
